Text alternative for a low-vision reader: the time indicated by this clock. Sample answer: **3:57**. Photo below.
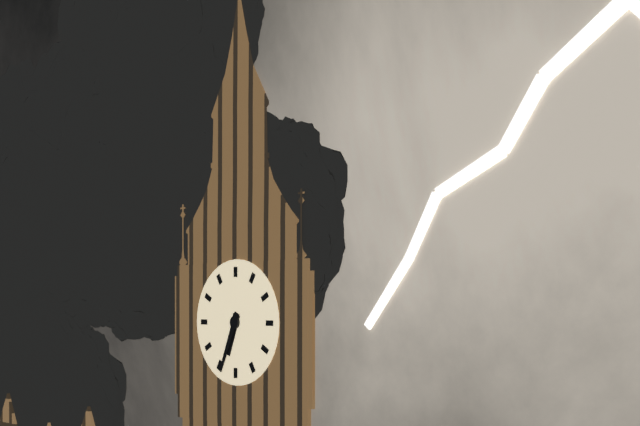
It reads **6:34**
